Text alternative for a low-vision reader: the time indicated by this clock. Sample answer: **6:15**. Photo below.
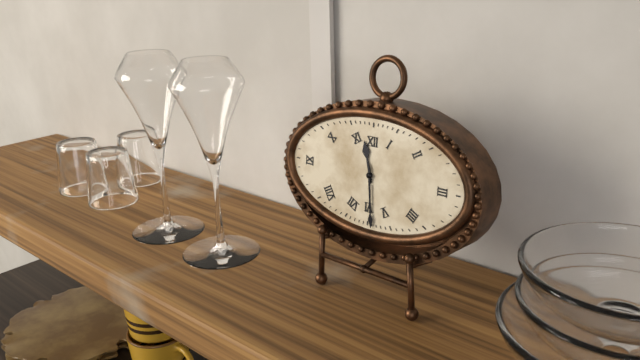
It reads **11:29**
